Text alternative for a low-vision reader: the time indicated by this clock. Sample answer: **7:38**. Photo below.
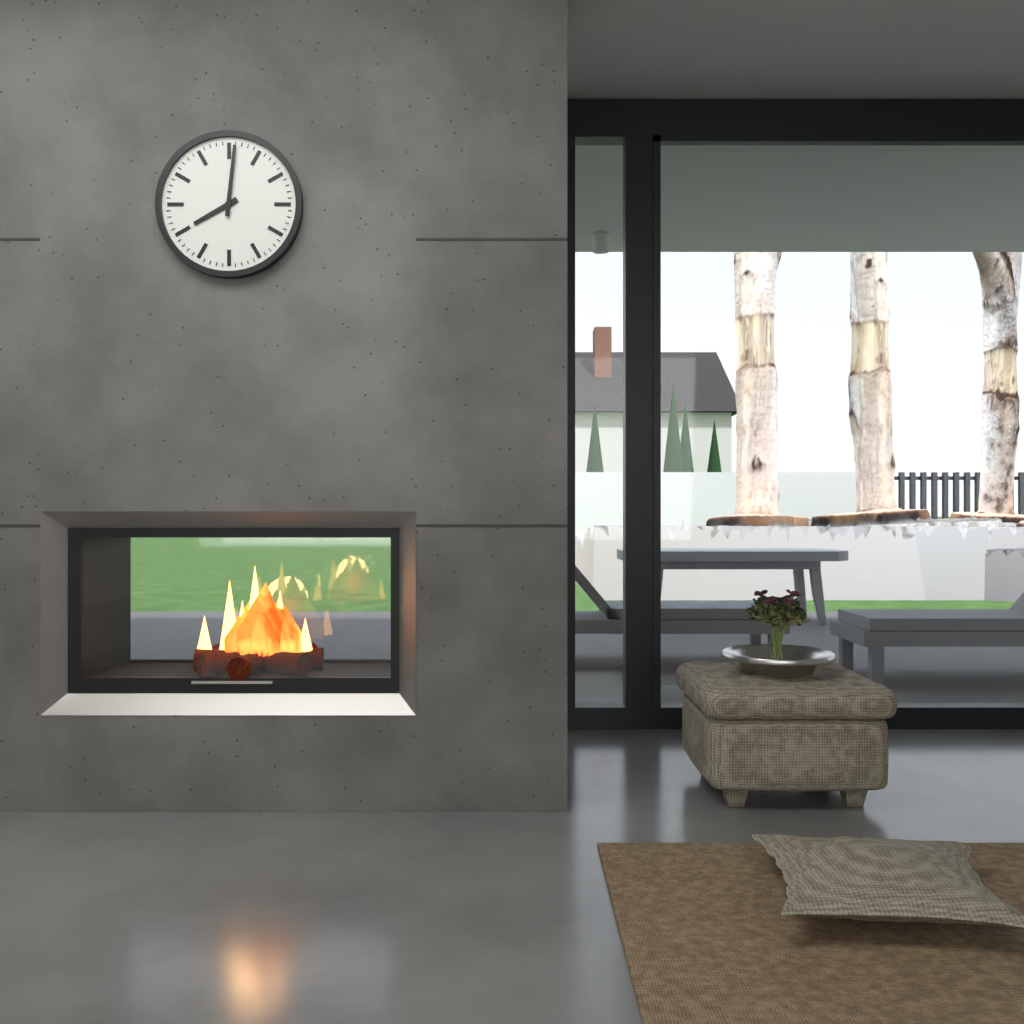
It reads **8:01**
